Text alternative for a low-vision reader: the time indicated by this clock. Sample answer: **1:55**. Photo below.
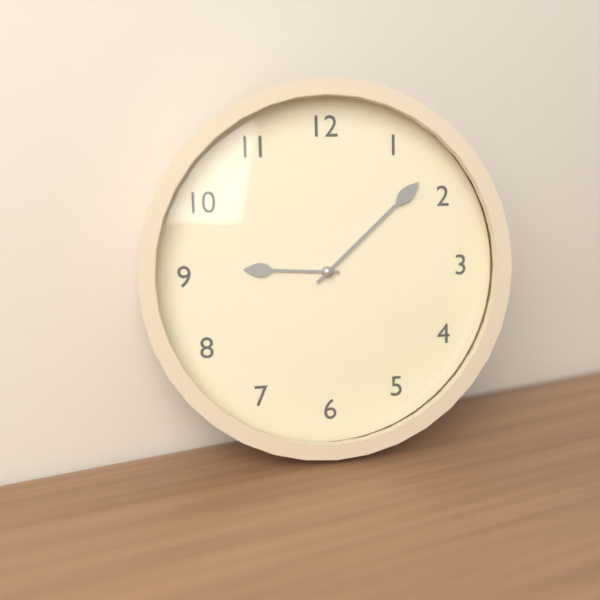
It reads **9:08**
